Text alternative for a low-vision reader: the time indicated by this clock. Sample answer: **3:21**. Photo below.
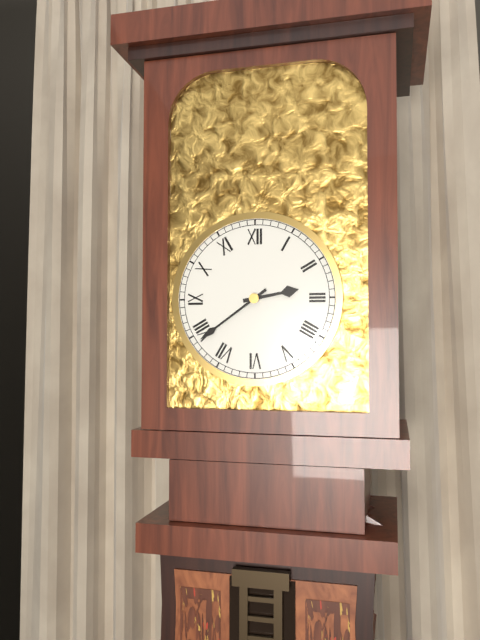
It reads **2:39**
